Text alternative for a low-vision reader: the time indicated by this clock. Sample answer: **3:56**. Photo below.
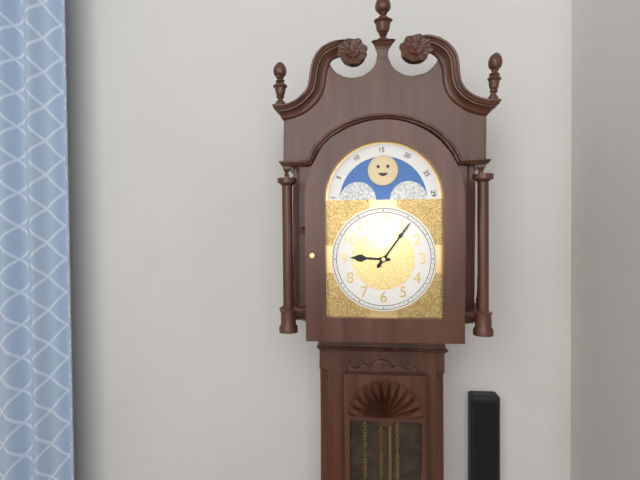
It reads **9:06**
